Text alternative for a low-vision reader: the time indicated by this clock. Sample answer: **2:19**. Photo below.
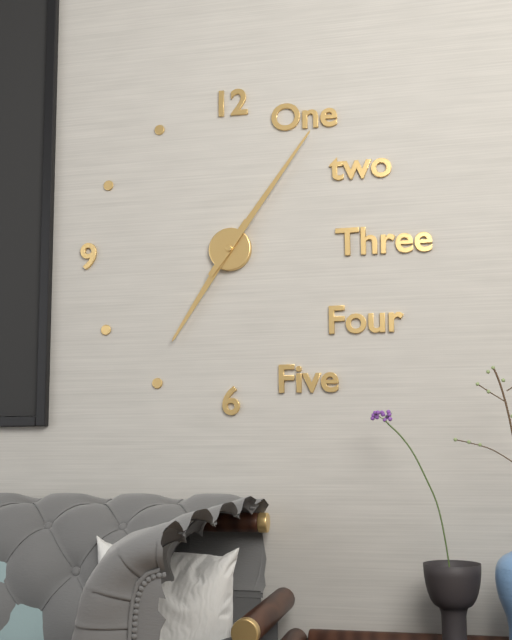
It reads **7:06**
